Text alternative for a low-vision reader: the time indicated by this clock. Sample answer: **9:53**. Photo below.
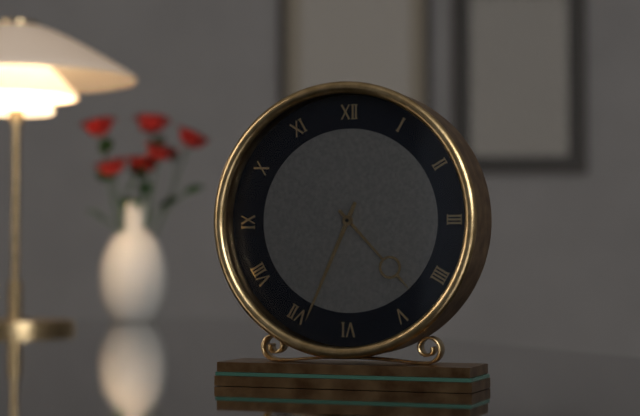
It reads **4:34**
